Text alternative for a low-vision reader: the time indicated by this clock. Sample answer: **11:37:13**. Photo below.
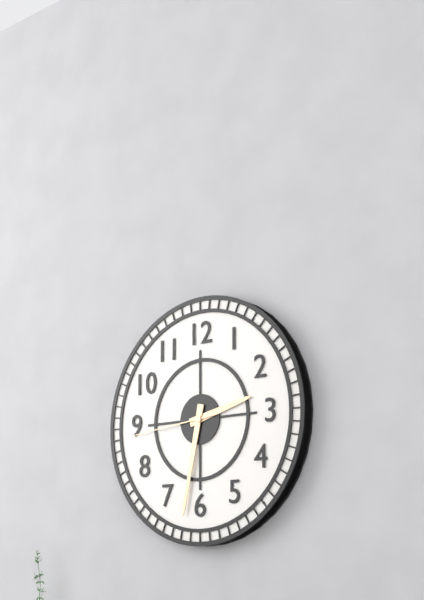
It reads **2:32:44**
